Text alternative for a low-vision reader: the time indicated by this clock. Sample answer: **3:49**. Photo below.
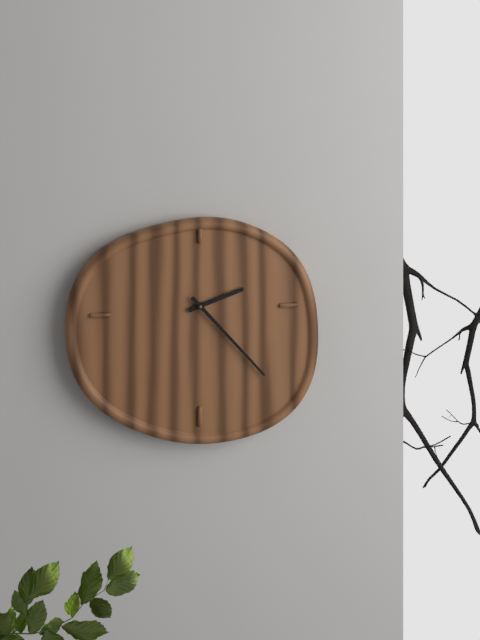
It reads **2:23**
